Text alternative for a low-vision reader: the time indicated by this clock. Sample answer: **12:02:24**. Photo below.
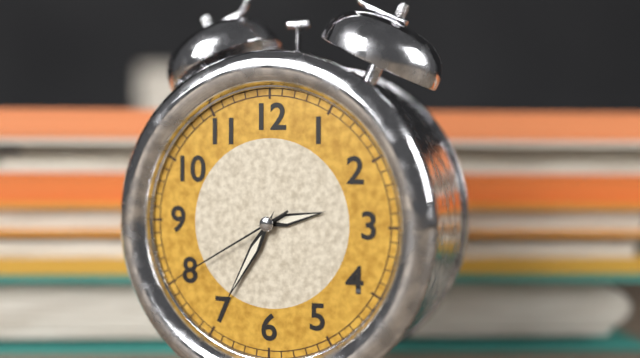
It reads **2:35:40**
